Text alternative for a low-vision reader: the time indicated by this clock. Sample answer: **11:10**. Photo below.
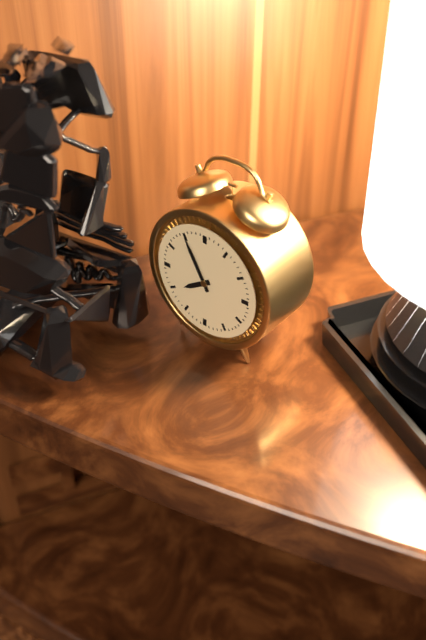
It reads **7:55**
